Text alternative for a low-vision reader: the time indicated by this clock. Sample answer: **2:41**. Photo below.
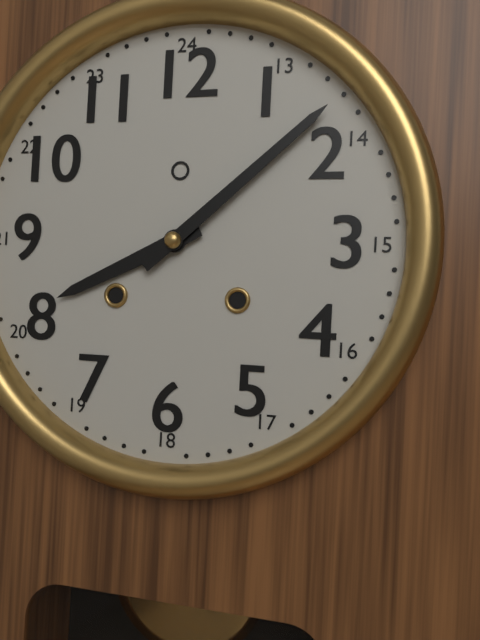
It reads **8:08**
